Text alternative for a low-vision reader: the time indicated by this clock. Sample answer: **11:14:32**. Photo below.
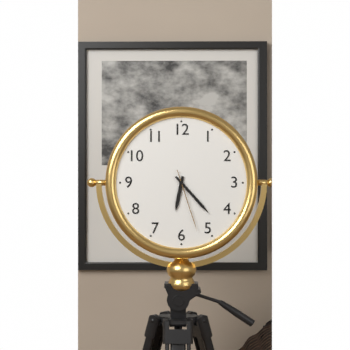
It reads **6:23:27**
